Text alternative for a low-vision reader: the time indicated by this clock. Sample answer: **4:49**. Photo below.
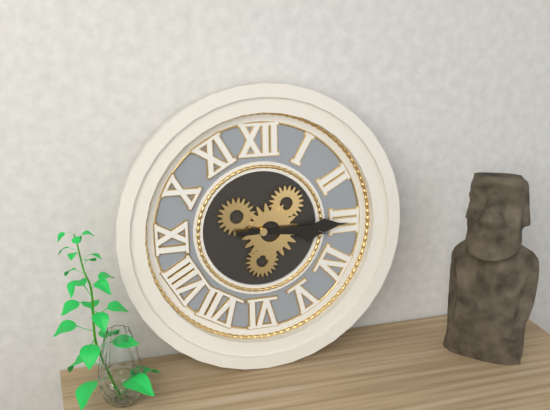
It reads **3:15**
